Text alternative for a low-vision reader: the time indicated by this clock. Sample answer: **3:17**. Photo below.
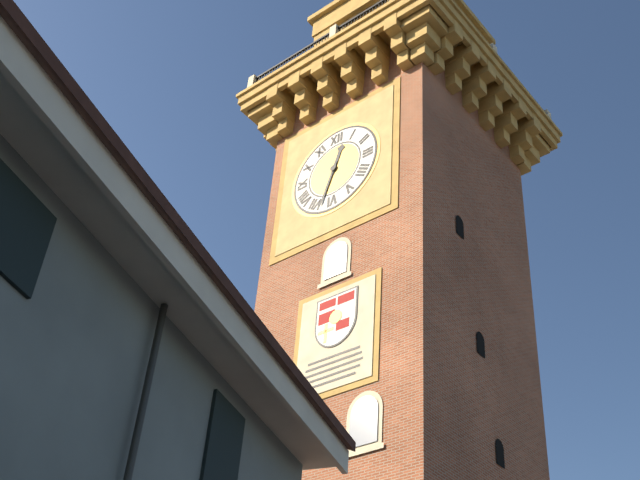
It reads **12:33**
